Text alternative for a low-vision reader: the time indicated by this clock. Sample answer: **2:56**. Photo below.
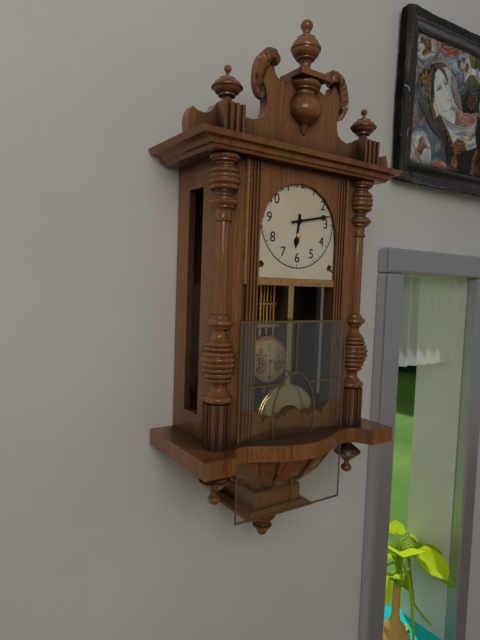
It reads **6:13**
